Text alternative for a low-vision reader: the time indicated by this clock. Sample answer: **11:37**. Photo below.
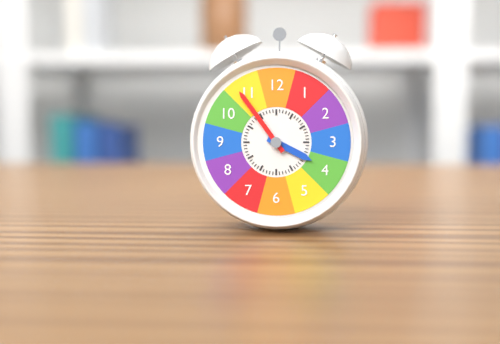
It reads **3:54**
